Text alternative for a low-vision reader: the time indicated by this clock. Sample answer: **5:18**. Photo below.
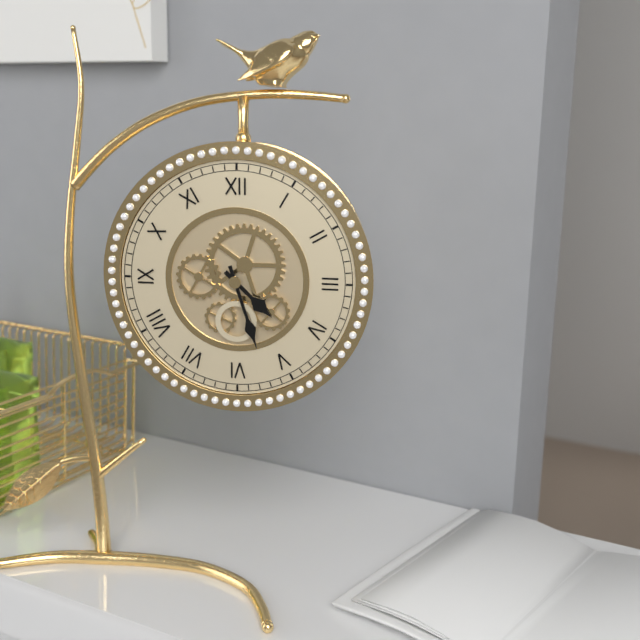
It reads **4:27**
